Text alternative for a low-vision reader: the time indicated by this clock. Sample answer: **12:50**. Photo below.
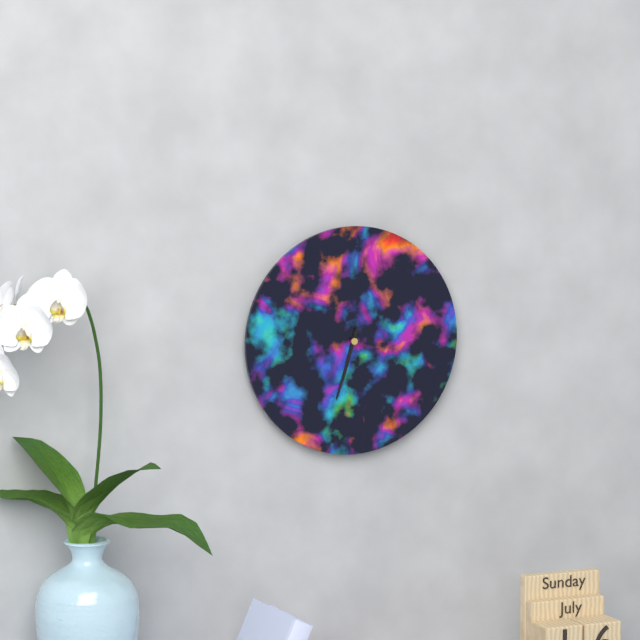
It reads **6:33**
